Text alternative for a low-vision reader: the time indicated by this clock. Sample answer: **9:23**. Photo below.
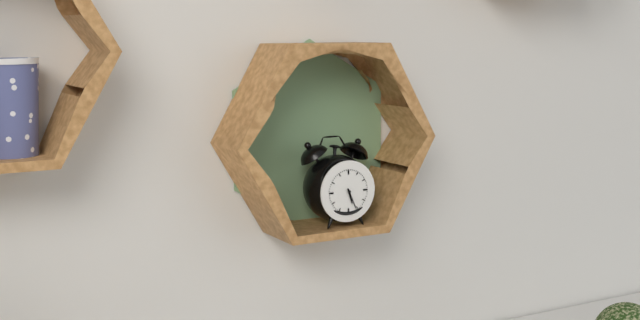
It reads **5:26**
